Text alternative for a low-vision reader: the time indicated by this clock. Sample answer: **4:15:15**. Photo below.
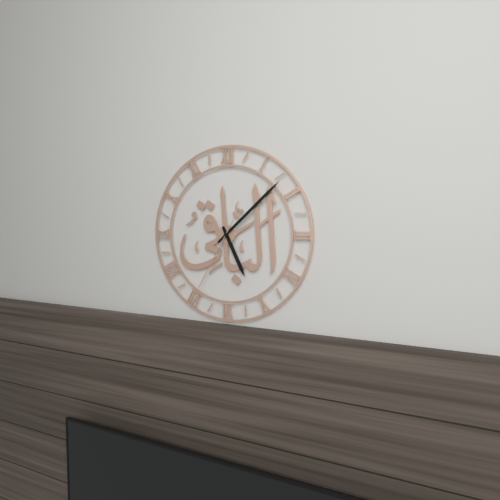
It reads **5:08:35**
